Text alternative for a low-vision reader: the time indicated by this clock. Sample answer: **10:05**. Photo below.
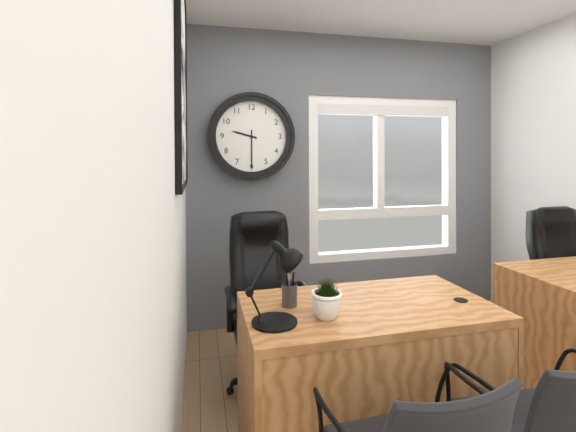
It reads **9:30**
